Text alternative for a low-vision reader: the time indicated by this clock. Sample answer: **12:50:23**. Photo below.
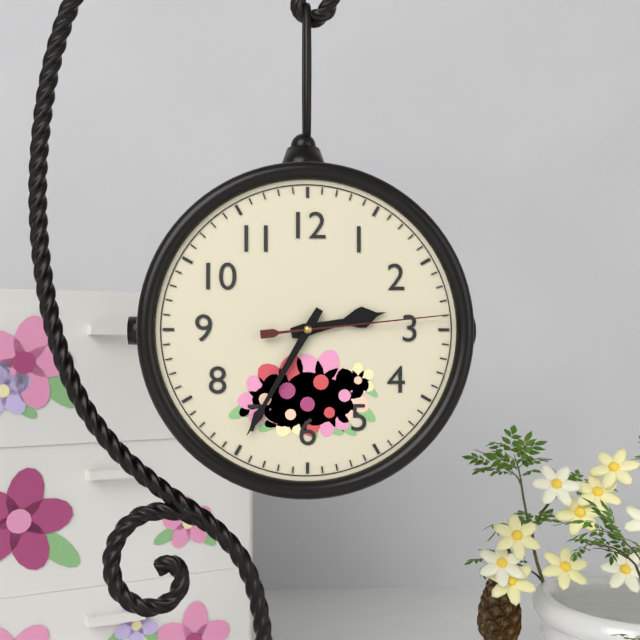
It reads **2:35:14**
